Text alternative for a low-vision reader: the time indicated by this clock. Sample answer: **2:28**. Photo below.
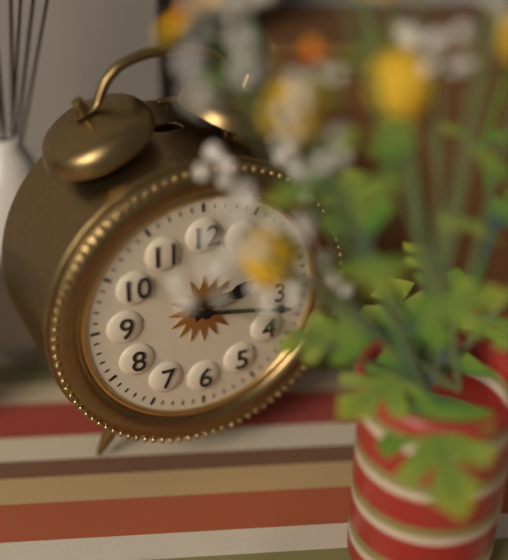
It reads **2:17**
